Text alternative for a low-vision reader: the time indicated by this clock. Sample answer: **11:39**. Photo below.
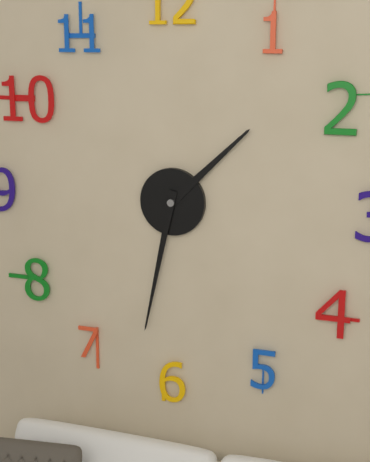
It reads **1:32**
